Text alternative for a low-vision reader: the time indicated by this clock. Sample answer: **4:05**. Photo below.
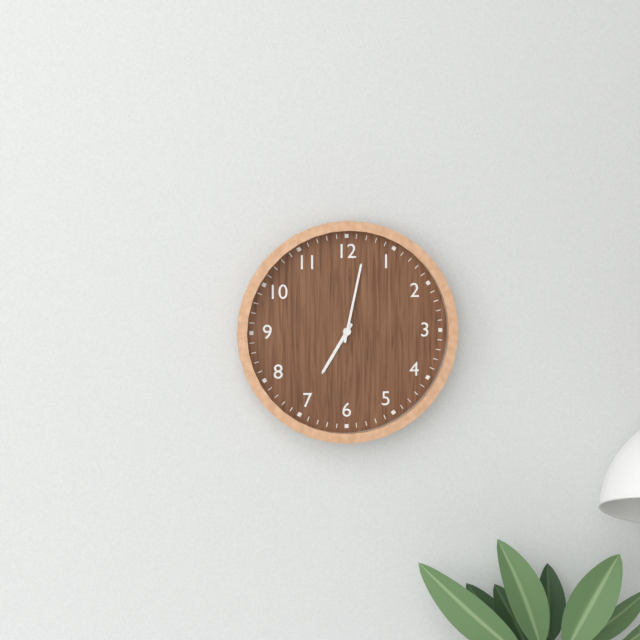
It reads **7:02**
